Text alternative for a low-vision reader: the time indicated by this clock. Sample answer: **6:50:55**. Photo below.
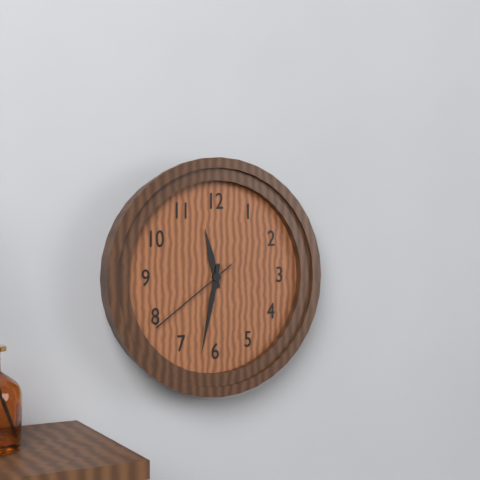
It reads **11:32:39**
